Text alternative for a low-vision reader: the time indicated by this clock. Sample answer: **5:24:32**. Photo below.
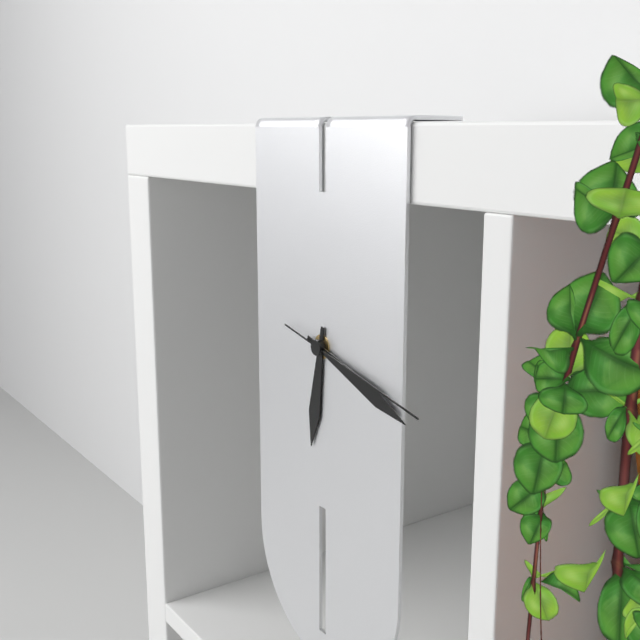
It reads **6:18:17**
